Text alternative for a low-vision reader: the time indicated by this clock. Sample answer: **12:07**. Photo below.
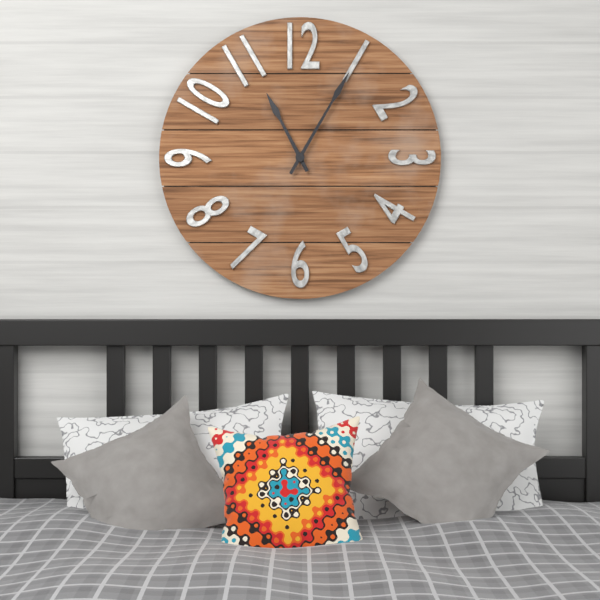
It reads **11:05**
